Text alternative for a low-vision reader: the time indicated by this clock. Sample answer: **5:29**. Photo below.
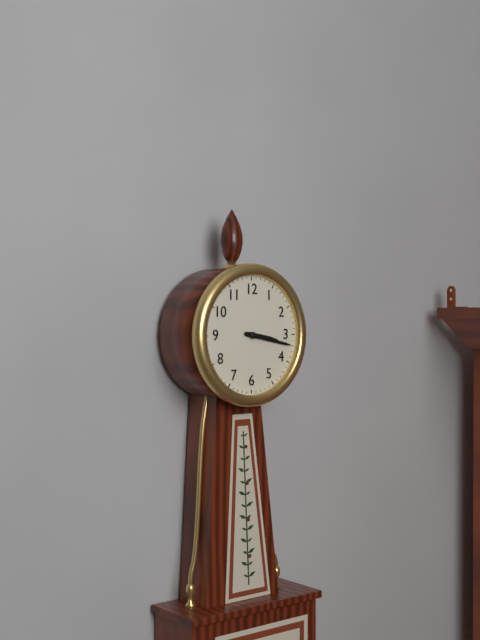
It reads **3:17**
